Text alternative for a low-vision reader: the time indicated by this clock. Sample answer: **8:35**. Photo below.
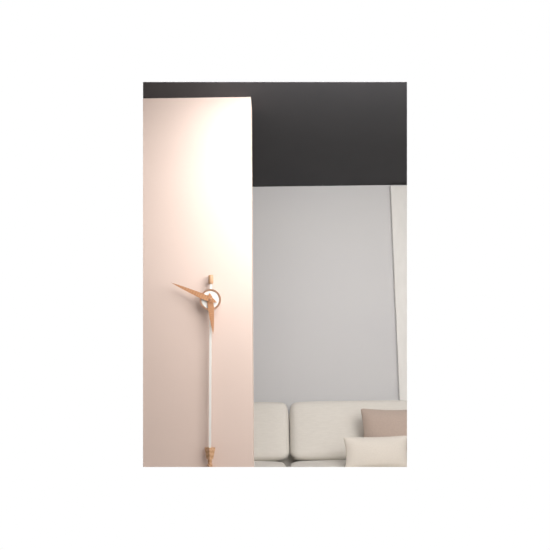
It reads **5:49**
